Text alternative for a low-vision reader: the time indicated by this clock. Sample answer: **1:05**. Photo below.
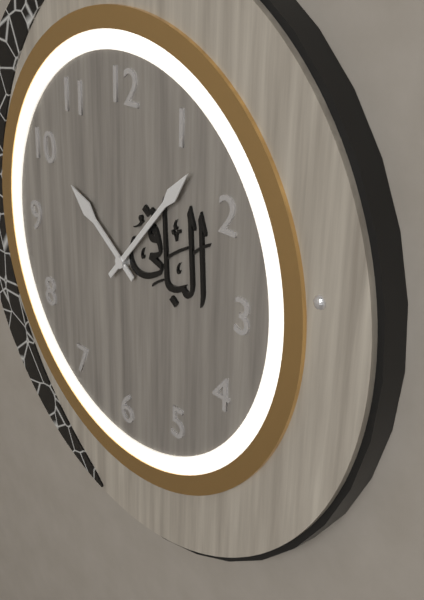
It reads **10:07**
